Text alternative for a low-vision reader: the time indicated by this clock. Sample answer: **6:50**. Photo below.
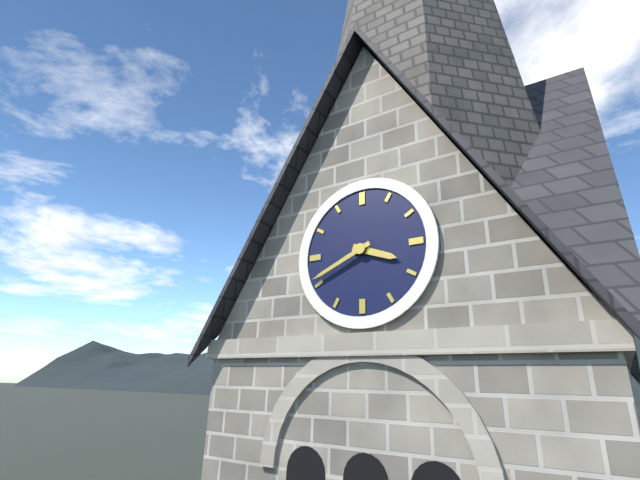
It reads **3:41**
